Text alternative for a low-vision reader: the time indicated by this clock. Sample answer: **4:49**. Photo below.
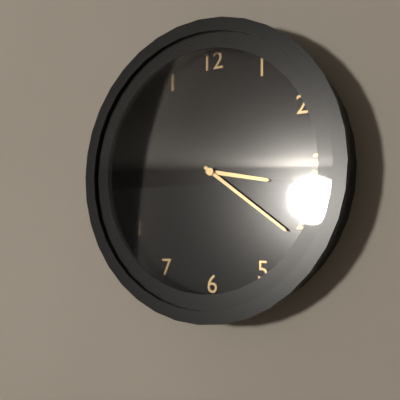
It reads **3:21**
